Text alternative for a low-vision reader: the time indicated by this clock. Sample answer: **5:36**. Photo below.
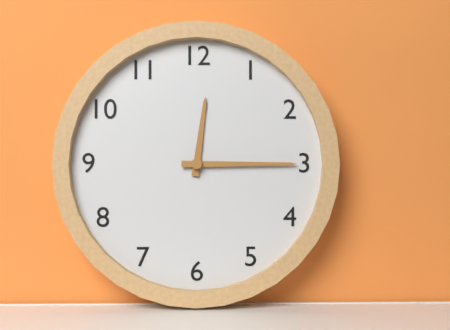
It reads **12:15**
